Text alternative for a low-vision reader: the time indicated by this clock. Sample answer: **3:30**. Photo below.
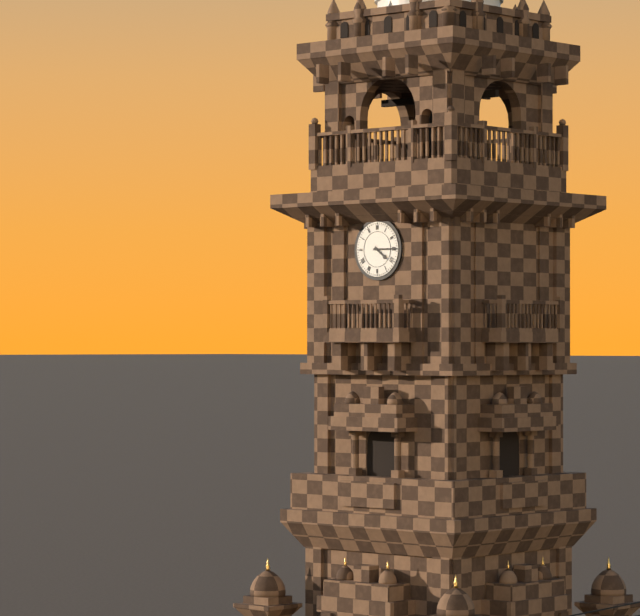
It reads **4:15**
